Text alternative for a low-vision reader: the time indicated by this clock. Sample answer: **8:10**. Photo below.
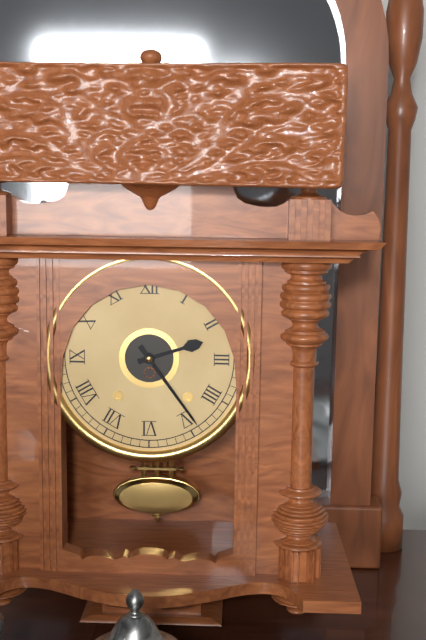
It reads **2:24**
